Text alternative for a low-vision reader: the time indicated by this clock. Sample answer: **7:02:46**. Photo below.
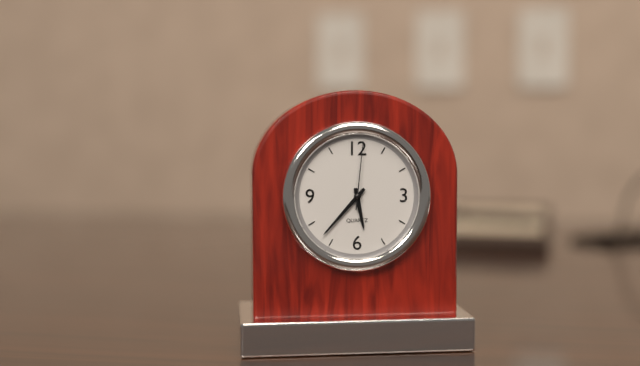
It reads **5:37:01**
